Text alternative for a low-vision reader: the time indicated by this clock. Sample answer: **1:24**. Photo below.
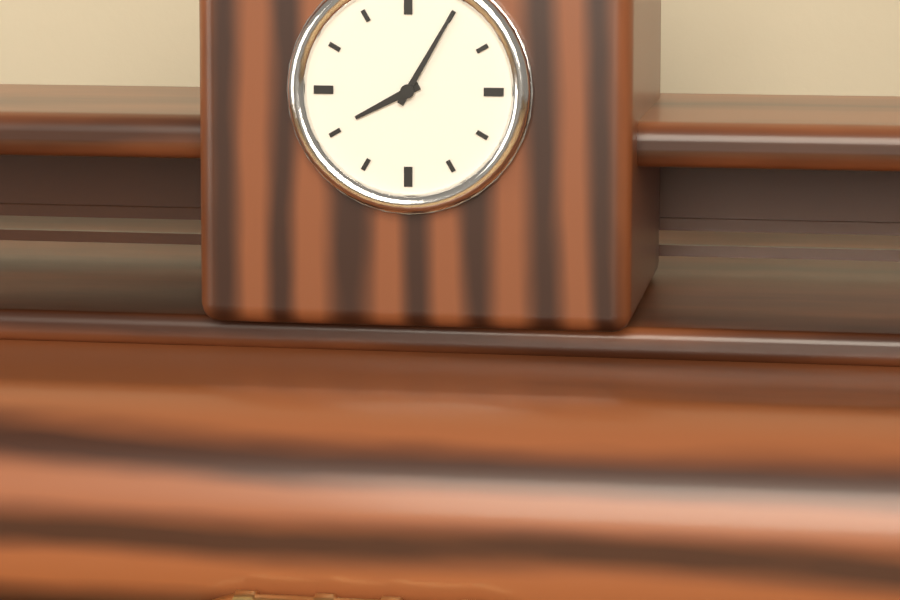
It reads **8:05**
